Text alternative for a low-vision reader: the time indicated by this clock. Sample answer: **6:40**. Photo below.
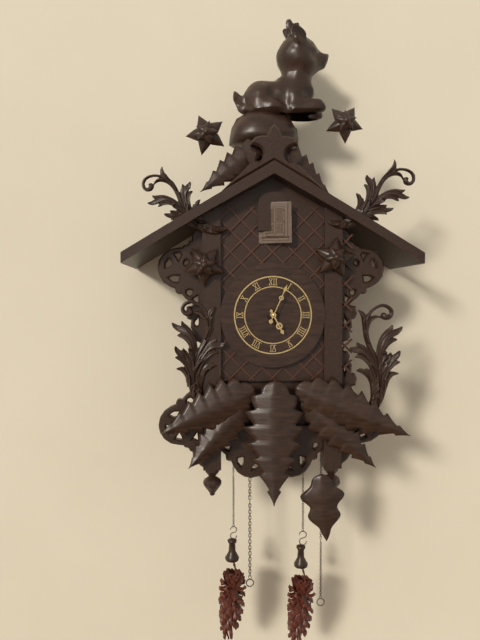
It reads **5:04**
